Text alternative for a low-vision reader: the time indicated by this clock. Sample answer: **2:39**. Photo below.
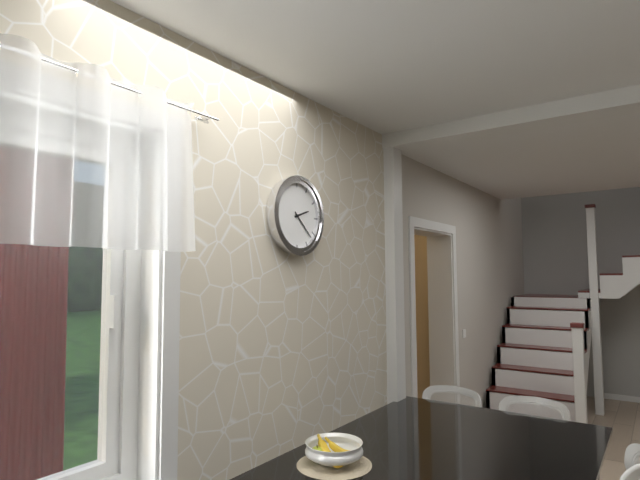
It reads **2:22**
